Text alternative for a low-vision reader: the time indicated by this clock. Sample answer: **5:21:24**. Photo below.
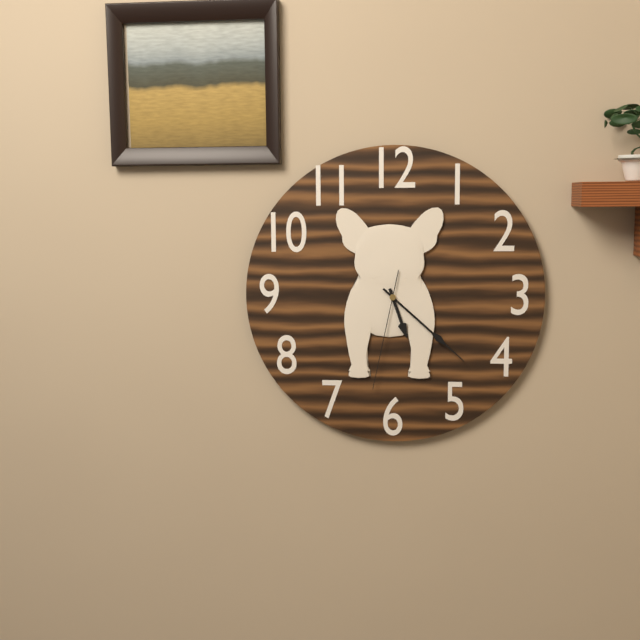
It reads **5:22:32**
